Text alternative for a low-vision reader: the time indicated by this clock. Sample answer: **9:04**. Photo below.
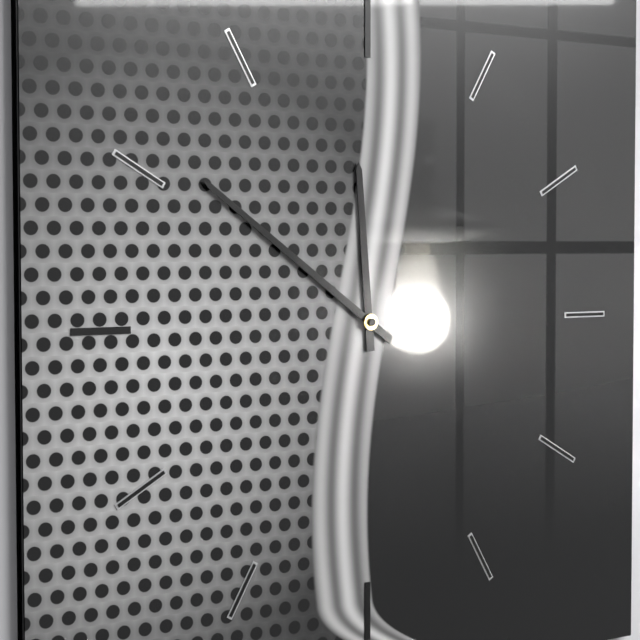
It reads **11:51**
